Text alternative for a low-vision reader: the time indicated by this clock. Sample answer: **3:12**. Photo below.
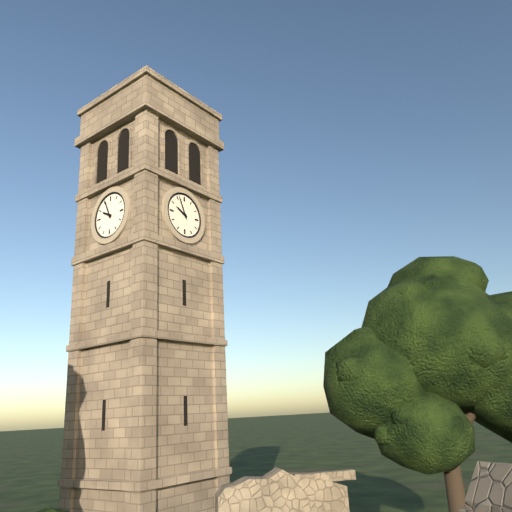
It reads **9:56**
